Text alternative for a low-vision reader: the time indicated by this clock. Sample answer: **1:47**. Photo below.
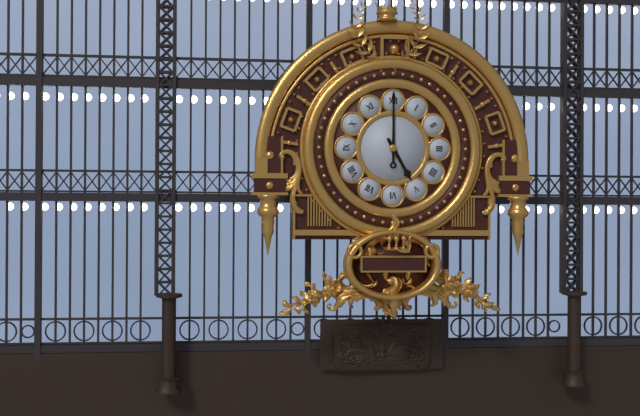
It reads **5:00**
